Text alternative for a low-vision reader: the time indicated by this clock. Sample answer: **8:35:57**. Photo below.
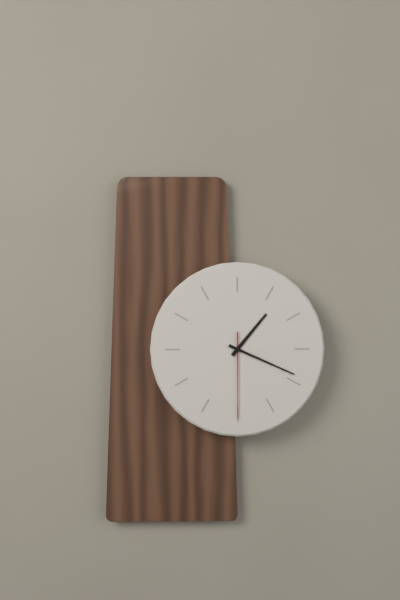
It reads **1:19:30**
